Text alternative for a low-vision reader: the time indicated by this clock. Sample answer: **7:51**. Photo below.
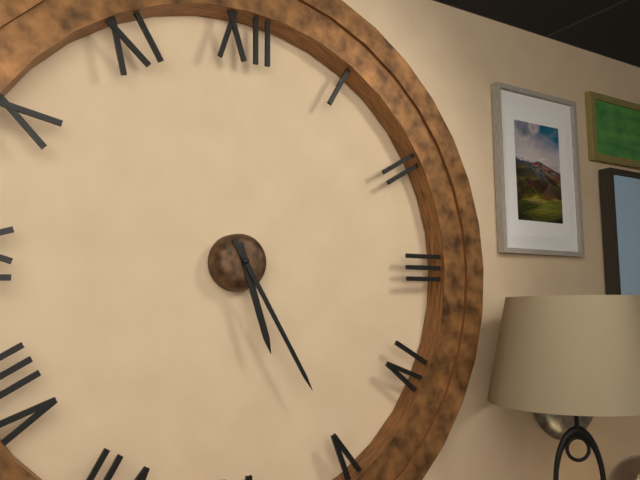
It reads **5:25**
